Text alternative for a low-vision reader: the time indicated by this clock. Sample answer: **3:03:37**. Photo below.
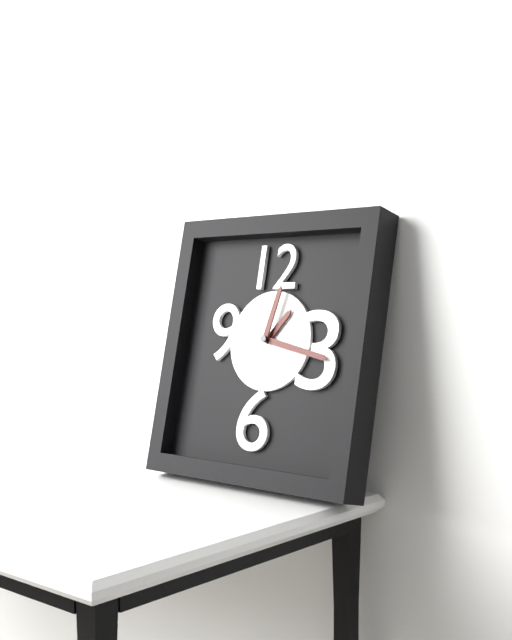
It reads **1:17:02**
